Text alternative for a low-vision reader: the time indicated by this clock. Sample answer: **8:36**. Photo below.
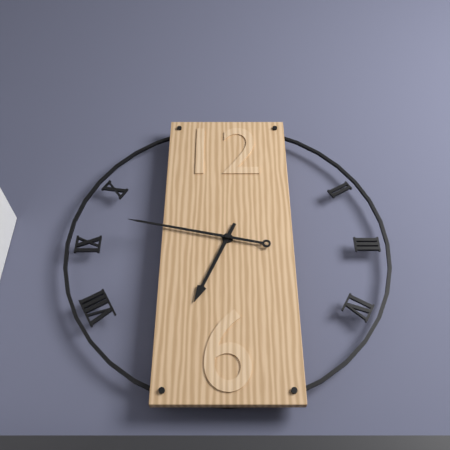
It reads **6:47**
